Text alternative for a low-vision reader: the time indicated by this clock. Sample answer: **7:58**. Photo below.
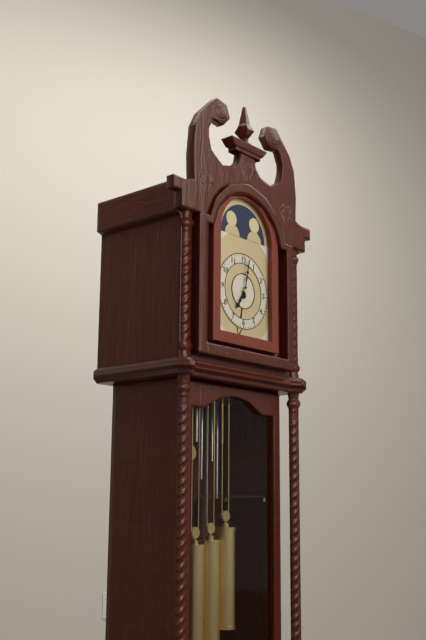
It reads **7:02**
